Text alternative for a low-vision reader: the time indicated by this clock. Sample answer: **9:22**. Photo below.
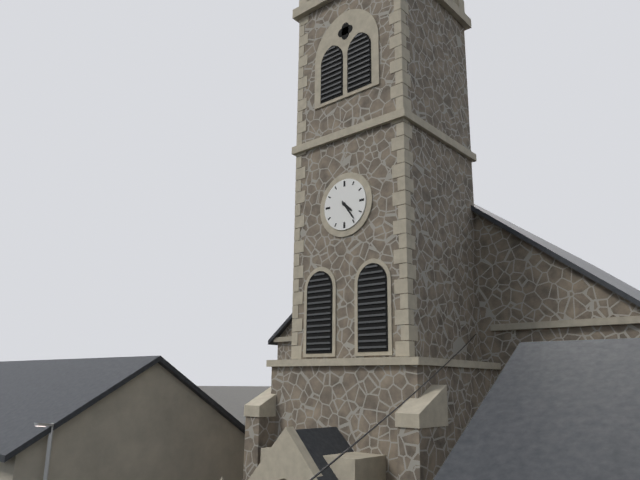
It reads **4:24**
